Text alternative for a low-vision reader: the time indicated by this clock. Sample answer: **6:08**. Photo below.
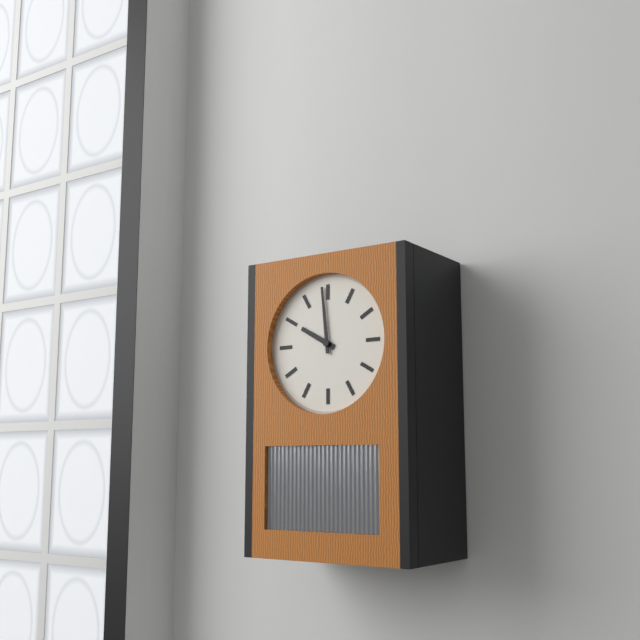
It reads **9:59**
